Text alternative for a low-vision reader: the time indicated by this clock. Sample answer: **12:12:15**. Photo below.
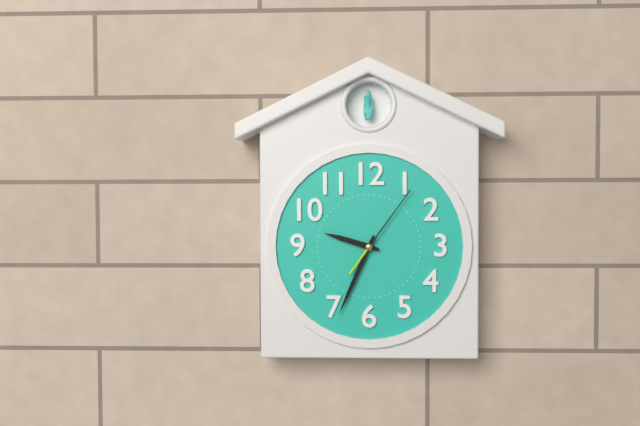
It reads **9:34:06**
